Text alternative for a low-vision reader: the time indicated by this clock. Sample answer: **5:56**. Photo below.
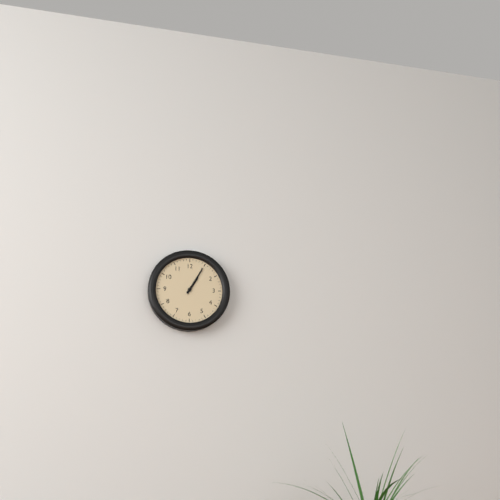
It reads **1:05**
